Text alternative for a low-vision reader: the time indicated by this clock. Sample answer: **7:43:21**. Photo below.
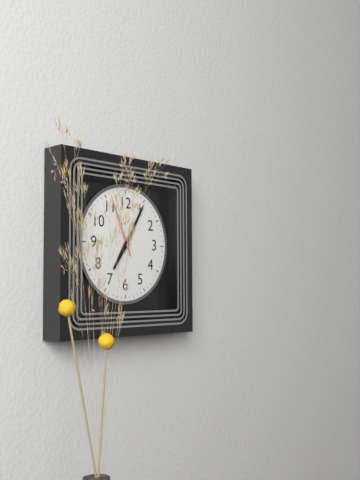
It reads **7:05:56**
